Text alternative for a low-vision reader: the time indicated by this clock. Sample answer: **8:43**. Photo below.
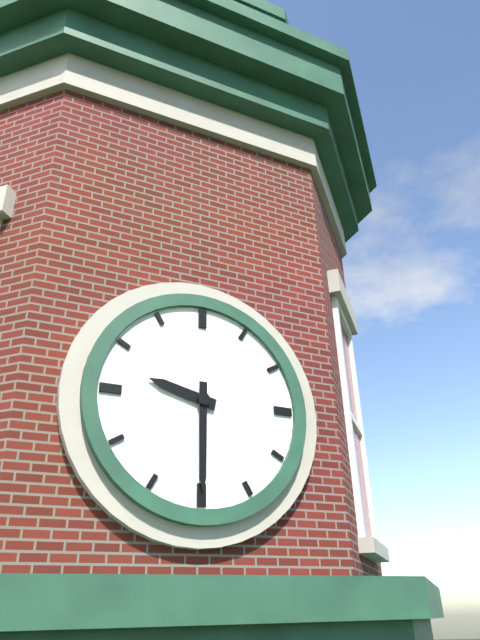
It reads **9:30**
